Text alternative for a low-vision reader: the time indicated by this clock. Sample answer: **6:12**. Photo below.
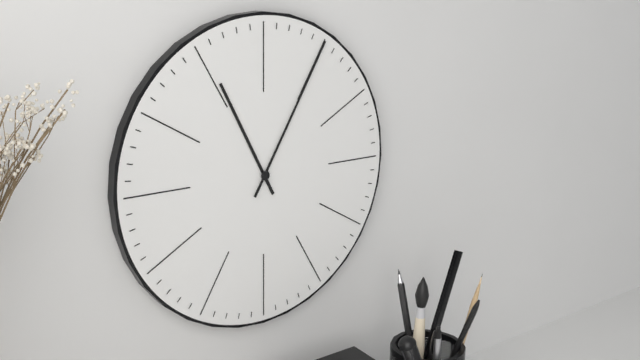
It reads **11:05**
